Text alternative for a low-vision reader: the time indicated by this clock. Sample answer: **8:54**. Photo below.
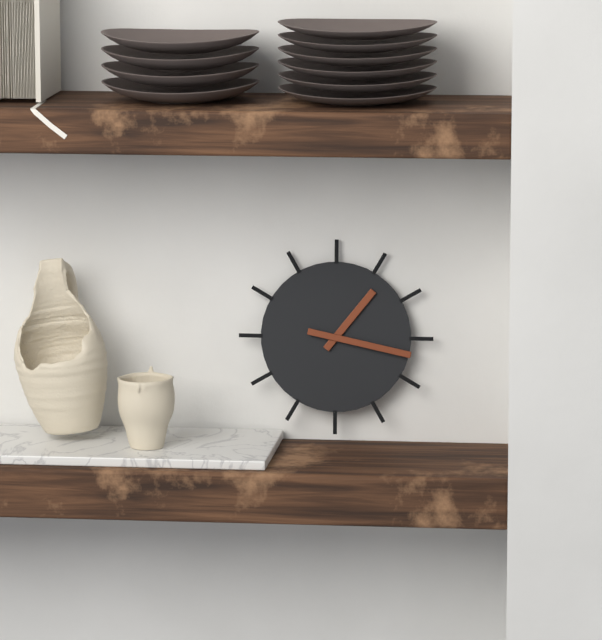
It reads **1:17**
